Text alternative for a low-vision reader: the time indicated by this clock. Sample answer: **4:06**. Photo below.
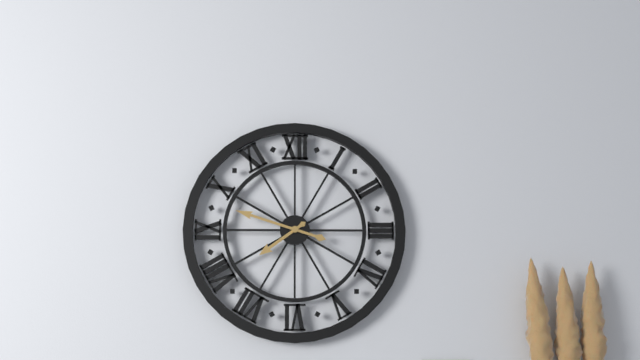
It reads **7:48**
